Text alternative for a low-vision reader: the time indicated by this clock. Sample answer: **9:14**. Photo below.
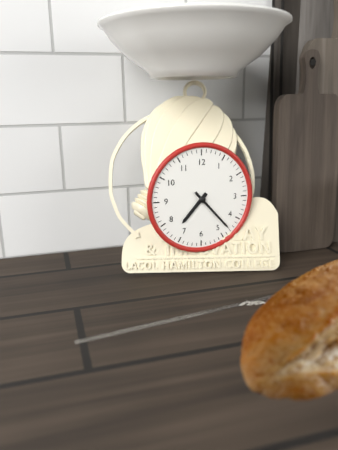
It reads **7:23**
